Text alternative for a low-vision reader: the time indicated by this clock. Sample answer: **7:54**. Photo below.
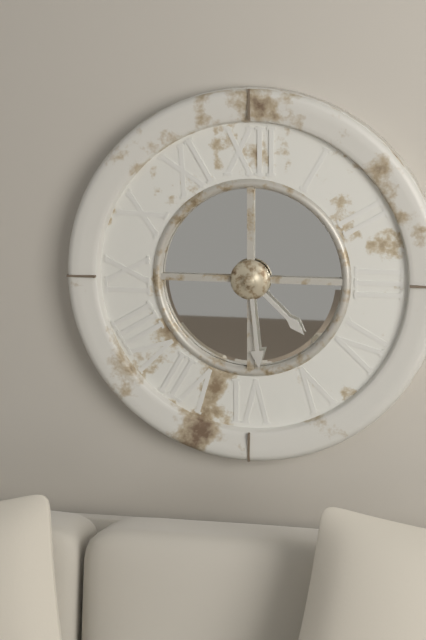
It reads **4:29**
